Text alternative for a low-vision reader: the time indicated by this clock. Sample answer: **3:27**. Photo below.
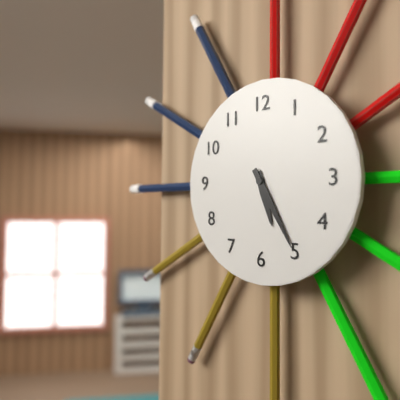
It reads **5:25**
